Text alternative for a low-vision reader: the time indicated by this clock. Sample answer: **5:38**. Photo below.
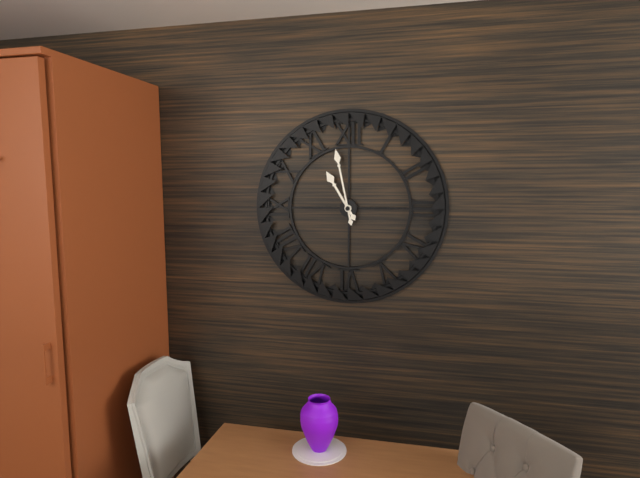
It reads **10:58**
